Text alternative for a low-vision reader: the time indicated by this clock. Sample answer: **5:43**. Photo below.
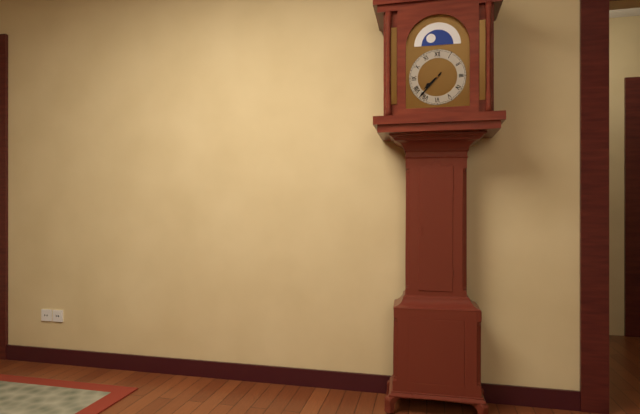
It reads **7:37**
